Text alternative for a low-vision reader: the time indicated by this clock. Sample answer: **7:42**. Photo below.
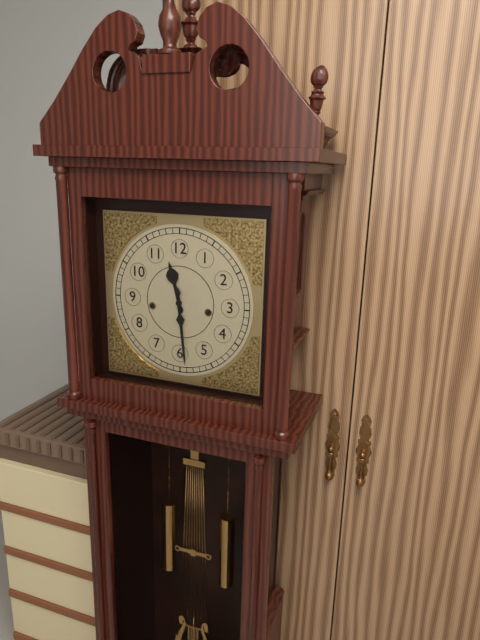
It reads **11:29**
